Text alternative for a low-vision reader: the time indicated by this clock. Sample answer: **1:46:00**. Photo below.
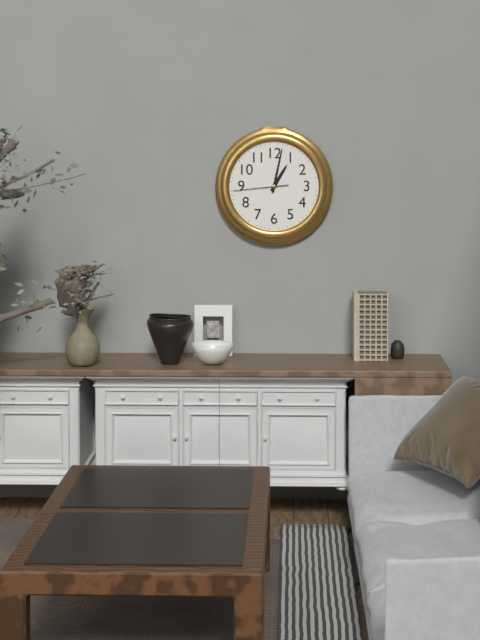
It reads **1:02:44**
